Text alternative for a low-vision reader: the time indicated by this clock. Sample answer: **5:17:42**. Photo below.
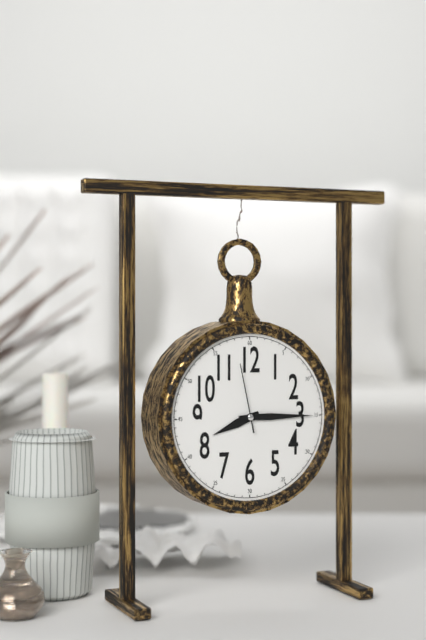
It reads **8:15:58**
